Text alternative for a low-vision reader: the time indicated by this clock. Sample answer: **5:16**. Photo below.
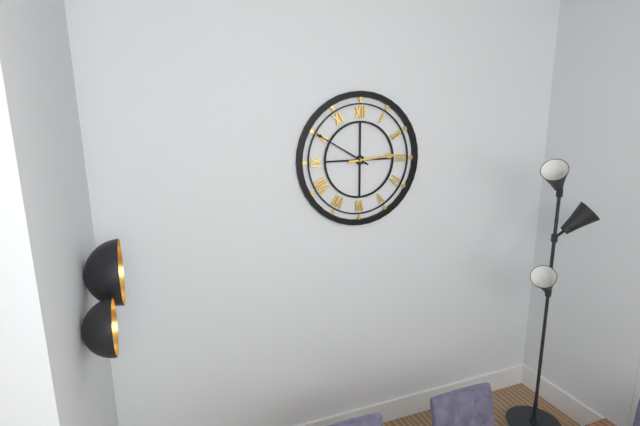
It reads **2:50**
